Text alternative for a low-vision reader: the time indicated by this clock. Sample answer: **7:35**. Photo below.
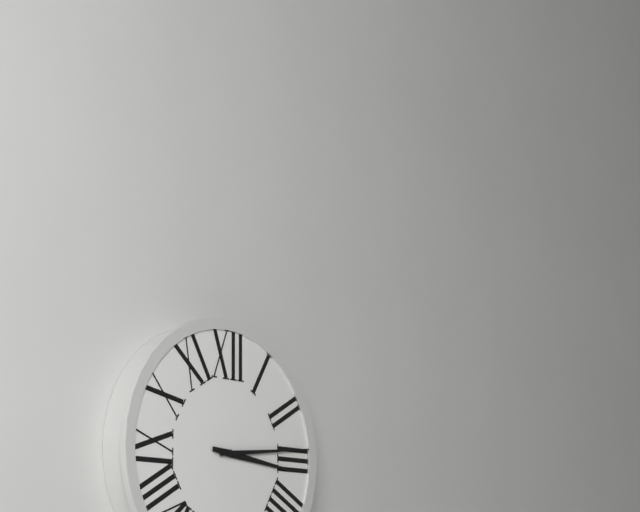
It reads **3:14**
